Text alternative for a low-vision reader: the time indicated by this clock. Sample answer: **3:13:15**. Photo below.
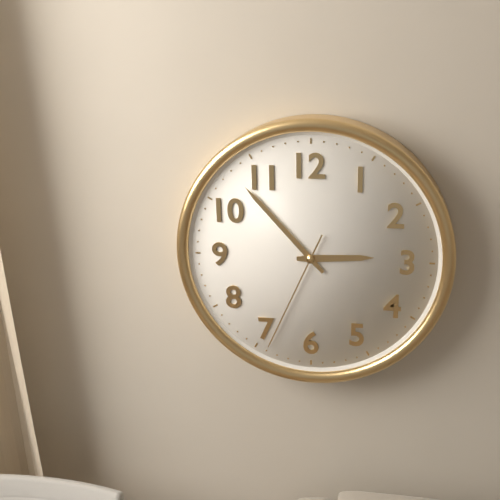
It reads **2:53:34**
